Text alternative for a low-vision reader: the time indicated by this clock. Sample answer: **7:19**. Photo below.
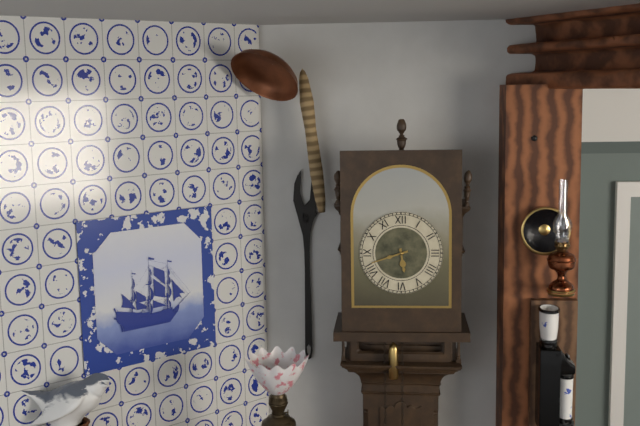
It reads **5:42**
